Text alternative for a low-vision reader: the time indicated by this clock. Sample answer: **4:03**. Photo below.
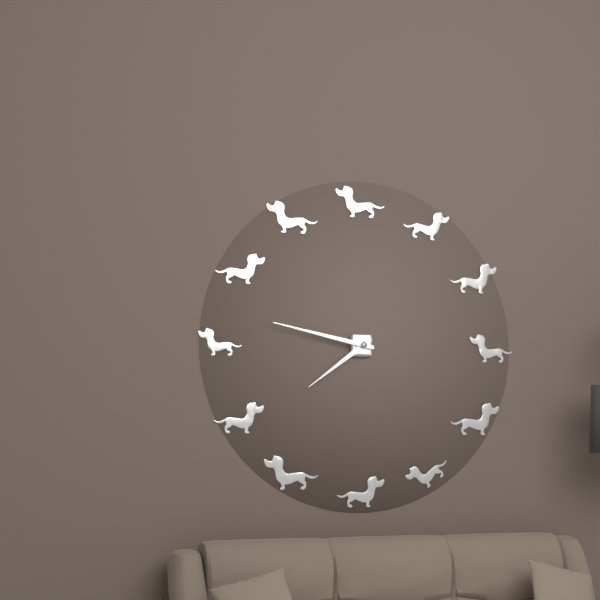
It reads **7:47**
